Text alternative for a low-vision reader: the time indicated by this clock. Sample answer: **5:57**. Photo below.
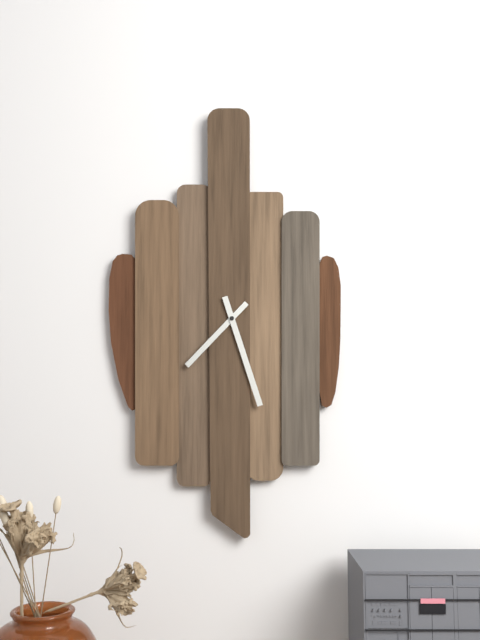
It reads **7:27**
